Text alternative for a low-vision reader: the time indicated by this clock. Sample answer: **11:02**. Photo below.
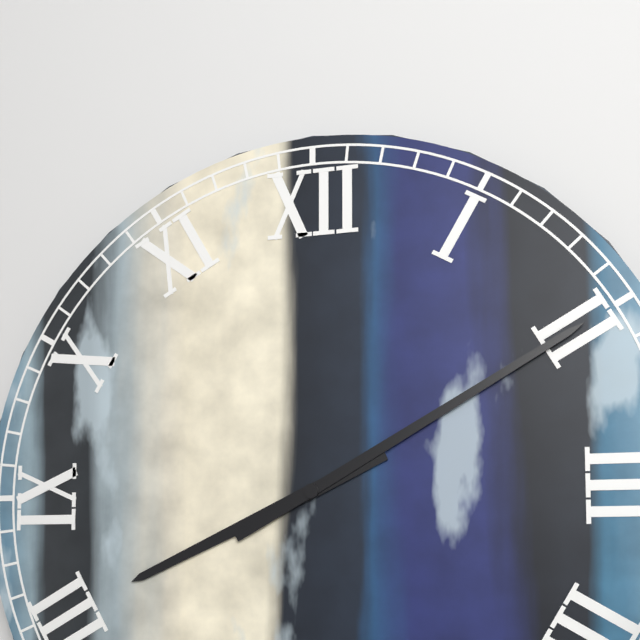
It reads **8:10**
